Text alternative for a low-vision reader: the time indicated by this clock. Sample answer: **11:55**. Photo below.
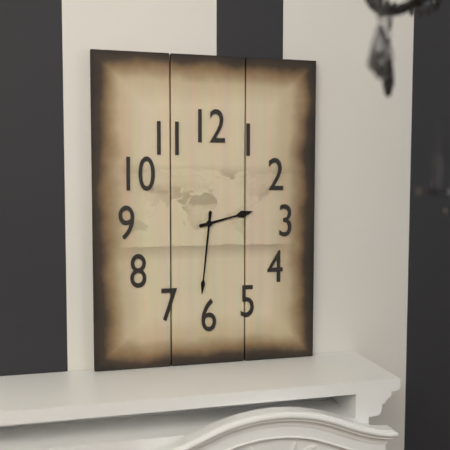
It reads **2:31**
